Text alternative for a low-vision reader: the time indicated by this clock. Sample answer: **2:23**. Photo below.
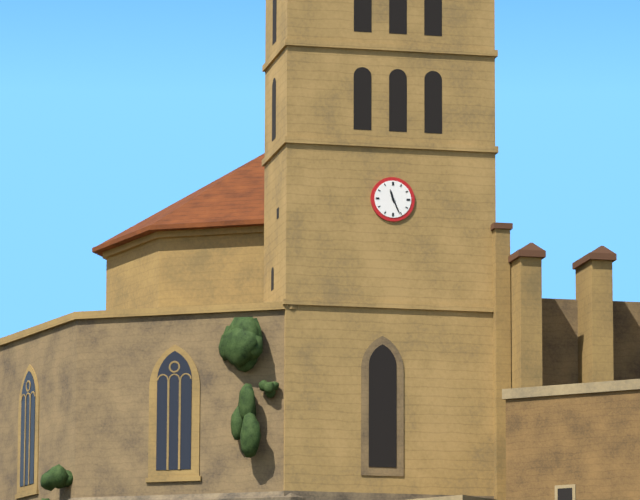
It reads **11:26**
